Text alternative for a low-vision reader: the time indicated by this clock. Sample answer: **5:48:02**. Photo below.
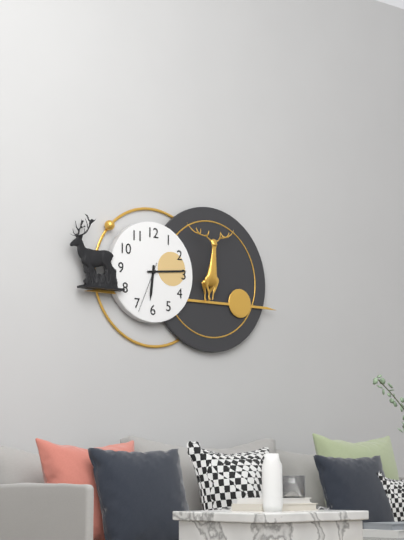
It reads **6:14:34**
